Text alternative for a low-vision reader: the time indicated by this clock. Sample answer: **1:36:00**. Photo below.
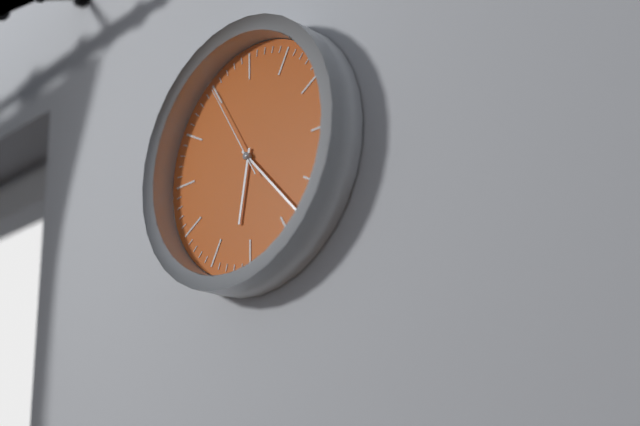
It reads **6:23:55**
